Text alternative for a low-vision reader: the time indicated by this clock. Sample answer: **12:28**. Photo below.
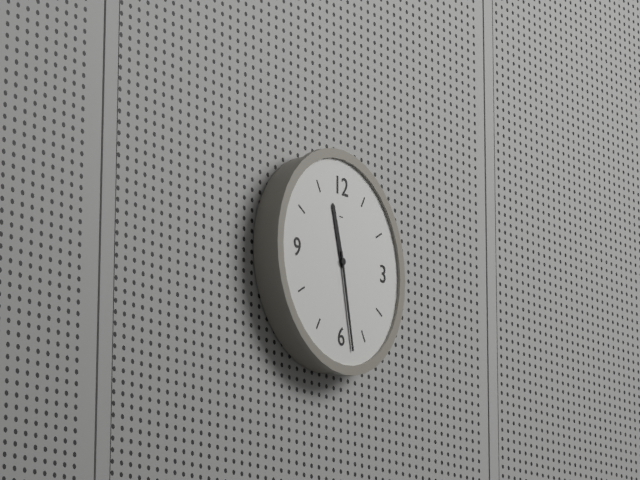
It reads **11:28**
